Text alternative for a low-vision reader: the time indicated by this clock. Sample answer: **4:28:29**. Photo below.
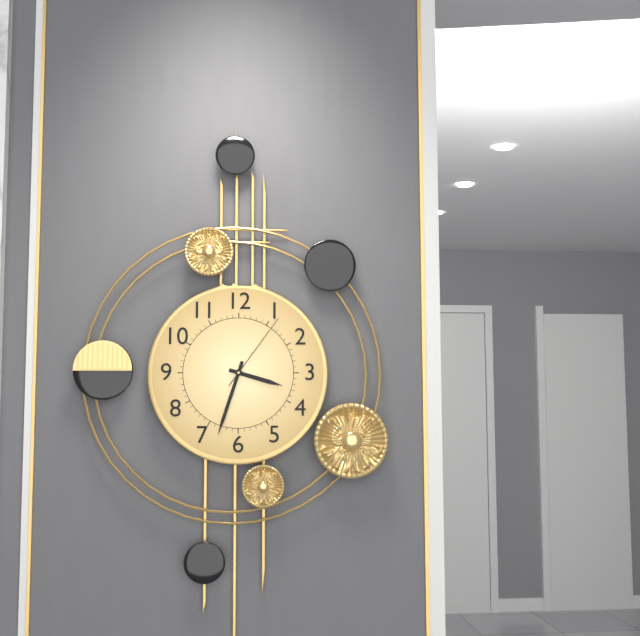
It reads **3:33:06**
